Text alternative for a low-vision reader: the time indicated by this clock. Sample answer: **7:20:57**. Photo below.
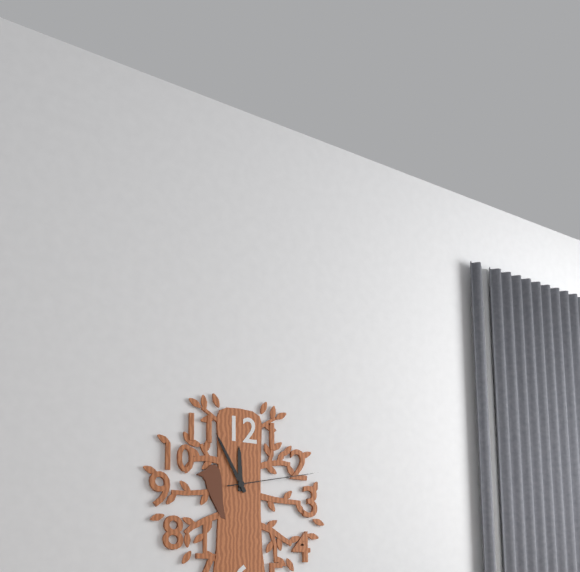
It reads **11:55:13**
